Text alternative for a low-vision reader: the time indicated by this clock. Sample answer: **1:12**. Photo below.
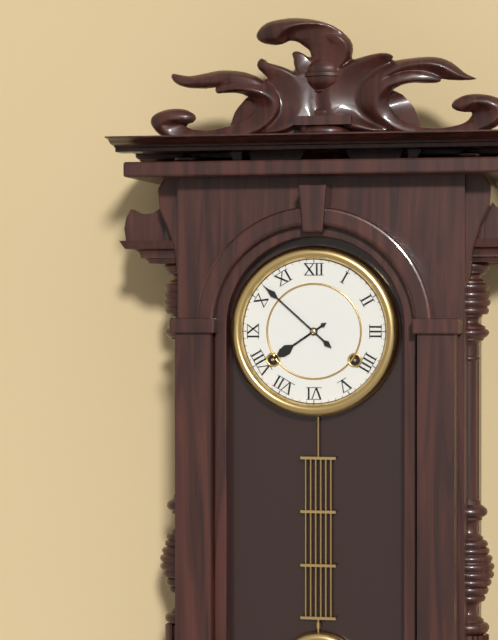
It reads **7:52**
